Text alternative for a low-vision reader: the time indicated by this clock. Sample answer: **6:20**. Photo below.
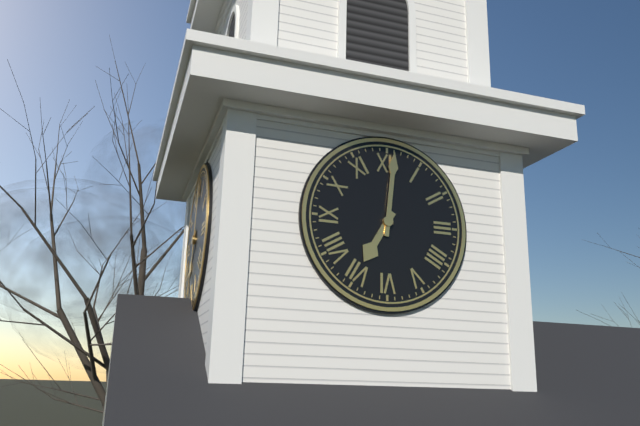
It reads **7:01**
